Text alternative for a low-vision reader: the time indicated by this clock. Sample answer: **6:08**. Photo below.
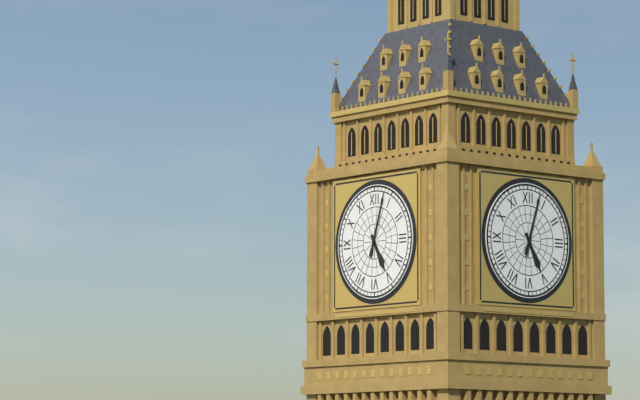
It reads **5:03**
